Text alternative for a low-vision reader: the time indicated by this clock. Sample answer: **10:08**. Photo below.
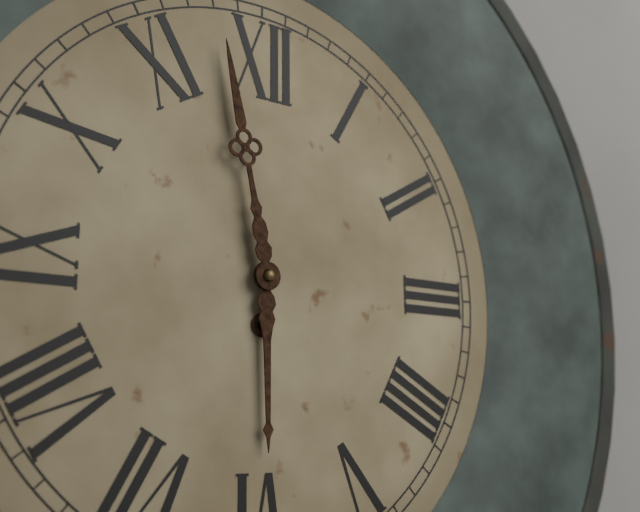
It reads **5:58**
